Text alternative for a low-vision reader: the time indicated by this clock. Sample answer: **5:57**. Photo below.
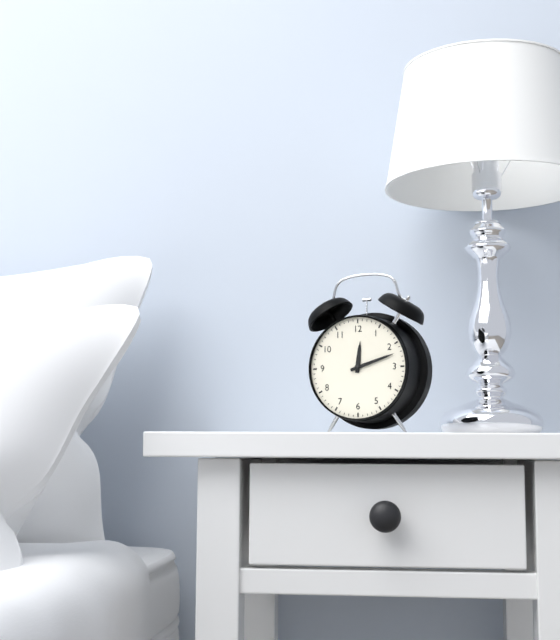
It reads **12:12**
